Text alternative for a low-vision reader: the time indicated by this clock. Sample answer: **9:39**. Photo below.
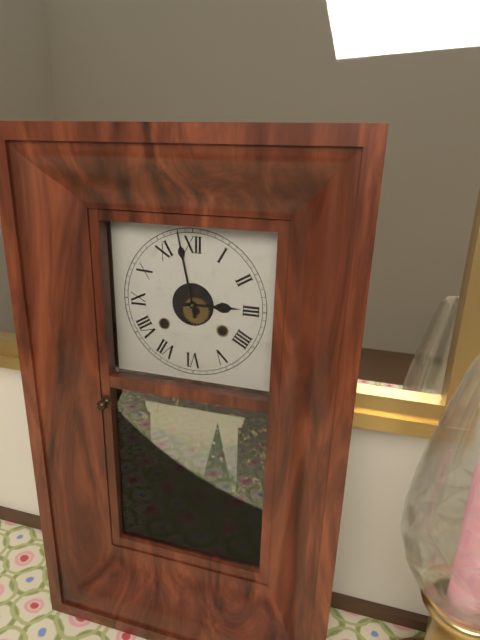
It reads **2:58**
